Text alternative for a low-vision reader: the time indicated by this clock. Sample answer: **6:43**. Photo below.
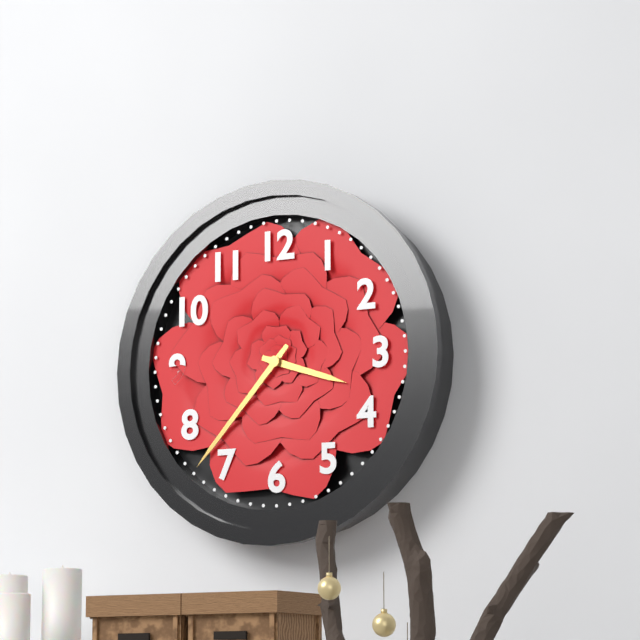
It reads **3:37**
